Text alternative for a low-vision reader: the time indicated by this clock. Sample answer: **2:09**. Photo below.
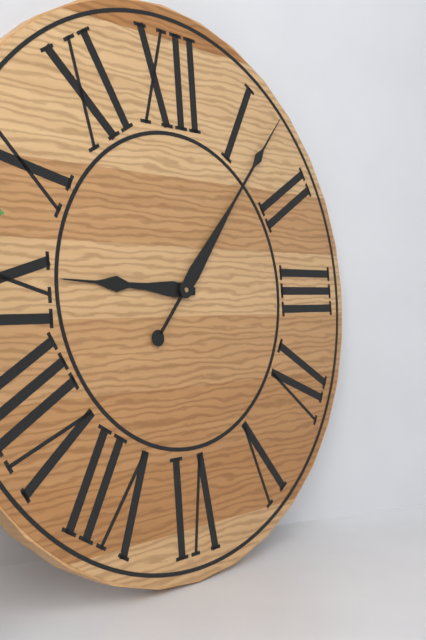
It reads **9:07**
